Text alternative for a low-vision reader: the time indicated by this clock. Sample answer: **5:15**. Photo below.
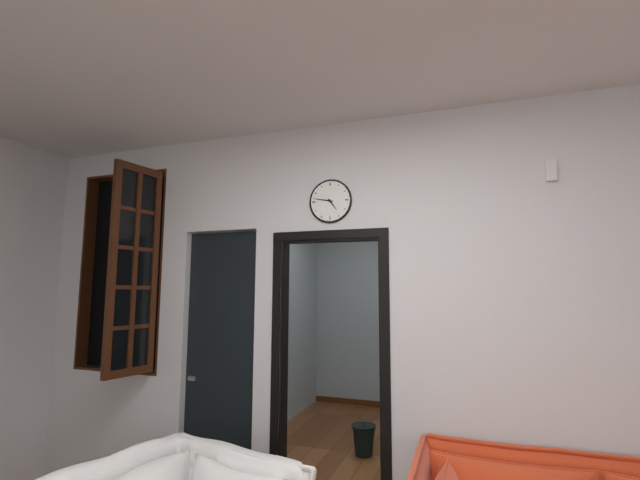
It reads **4:47**
